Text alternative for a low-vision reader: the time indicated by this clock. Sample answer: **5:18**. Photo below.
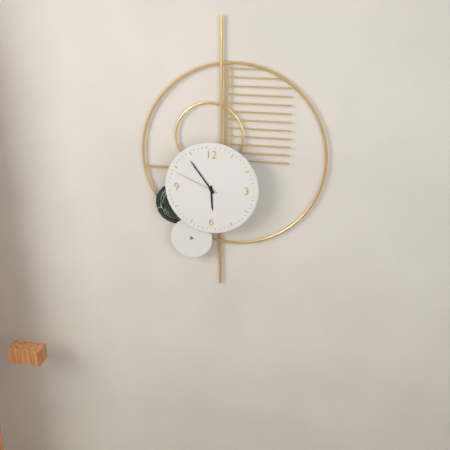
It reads **5:54**
